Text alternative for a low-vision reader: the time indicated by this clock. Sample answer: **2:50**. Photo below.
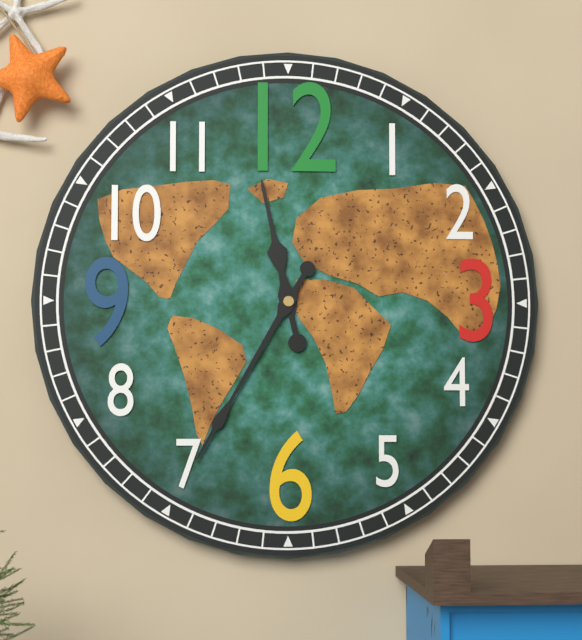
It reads **11:35**
